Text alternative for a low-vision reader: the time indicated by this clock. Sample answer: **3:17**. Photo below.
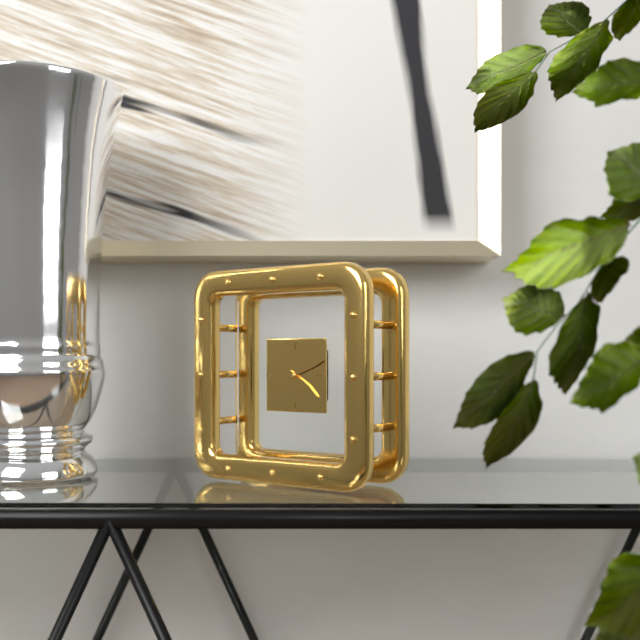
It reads **4:11**
